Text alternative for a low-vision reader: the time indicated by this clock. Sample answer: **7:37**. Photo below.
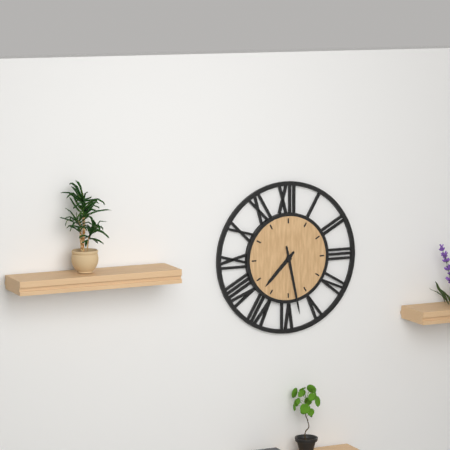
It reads **7:28**
